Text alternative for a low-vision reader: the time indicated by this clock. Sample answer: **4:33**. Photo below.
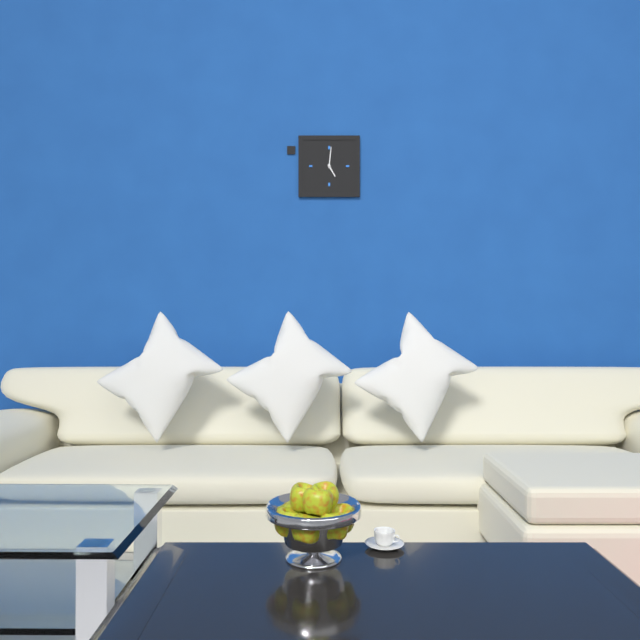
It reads **5:01**
